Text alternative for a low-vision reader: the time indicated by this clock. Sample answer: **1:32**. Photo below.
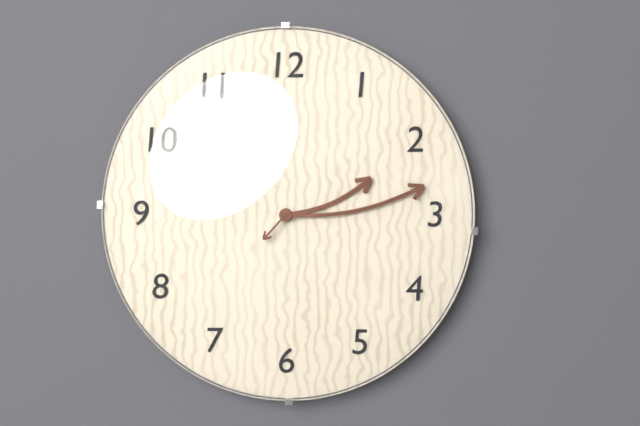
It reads **2:13**
